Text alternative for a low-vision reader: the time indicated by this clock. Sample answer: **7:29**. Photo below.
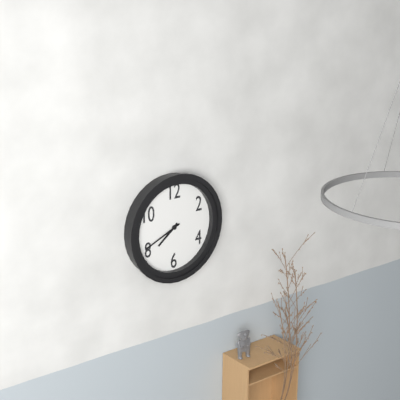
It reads **7:41**
